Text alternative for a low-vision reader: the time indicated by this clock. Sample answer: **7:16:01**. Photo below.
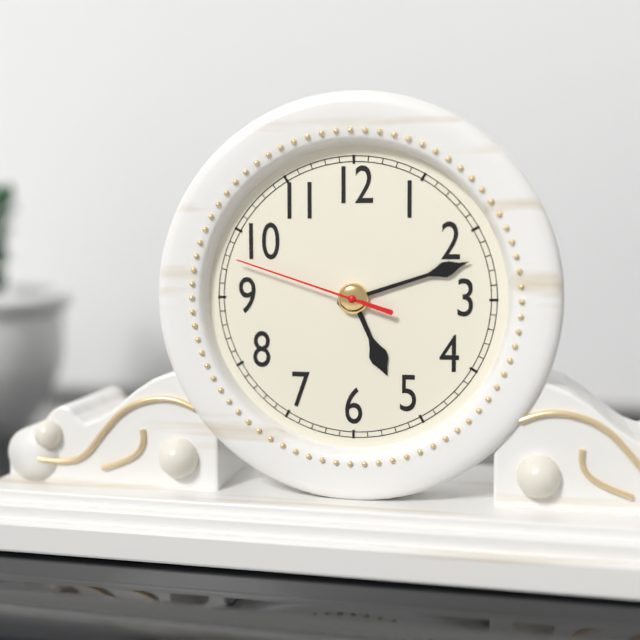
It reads **5:12:48**
